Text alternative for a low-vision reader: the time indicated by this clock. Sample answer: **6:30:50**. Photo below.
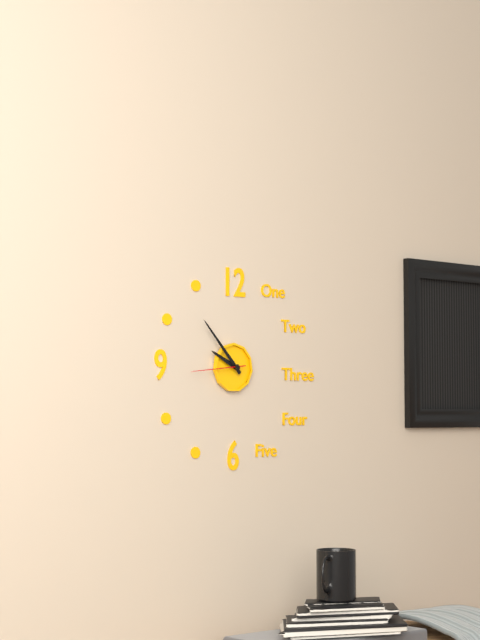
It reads **9:53:44**
